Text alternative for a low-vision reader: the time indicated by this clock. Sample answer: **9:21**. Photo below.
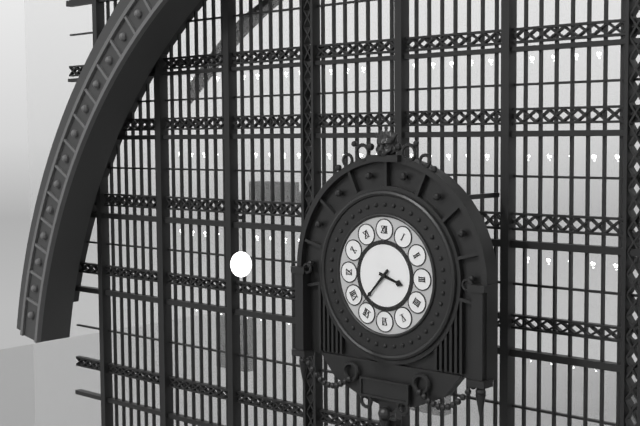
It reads **3:37**
